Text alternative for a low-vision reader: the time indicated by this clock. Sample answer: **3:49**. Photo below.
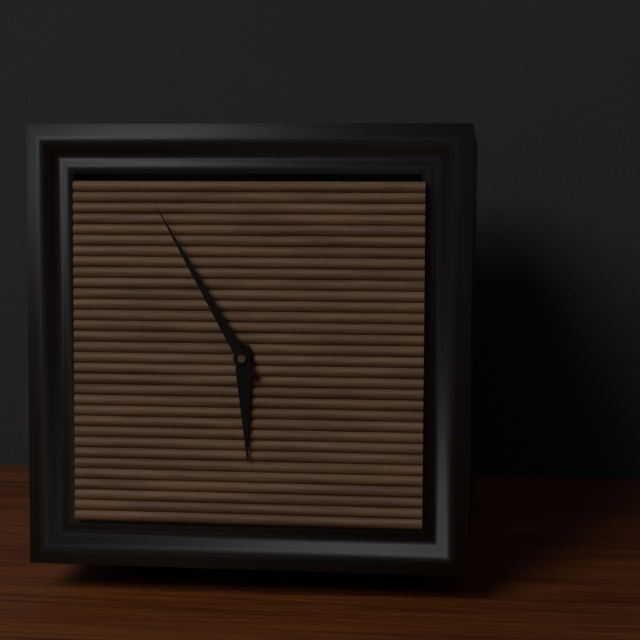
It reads **5:55**
